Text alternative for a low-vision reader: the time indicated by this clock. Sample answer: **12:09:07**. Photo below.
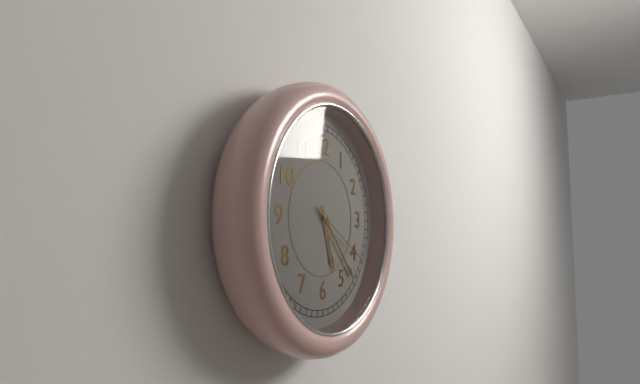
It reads **5:23:20**
